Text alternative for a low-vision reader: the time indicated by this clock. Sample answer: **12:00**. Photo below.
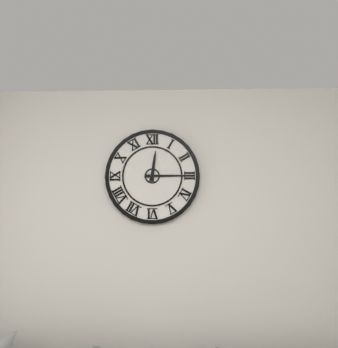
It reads **12:15**
